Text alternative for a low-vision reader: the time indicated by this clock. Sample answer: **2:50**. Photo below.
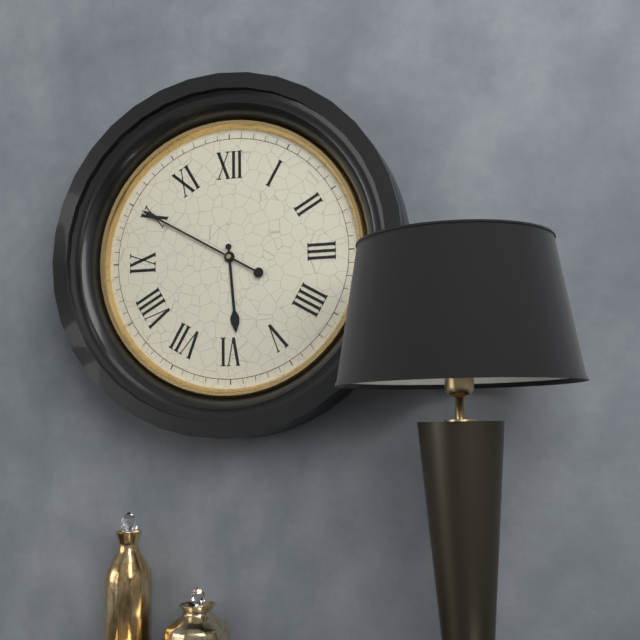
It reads **5:50**
